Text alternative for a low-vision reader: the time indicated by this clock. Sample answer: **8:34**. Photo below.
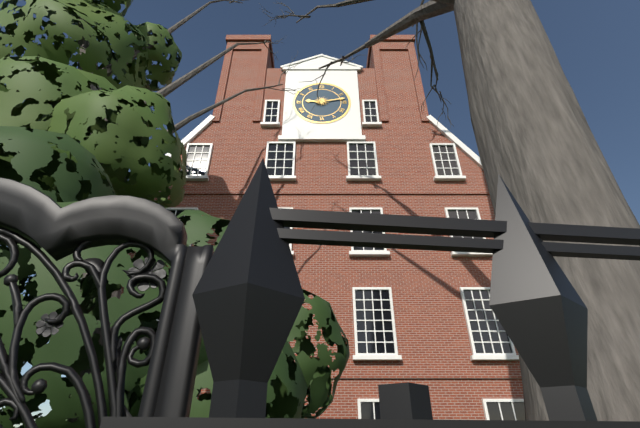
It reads **9:13**
